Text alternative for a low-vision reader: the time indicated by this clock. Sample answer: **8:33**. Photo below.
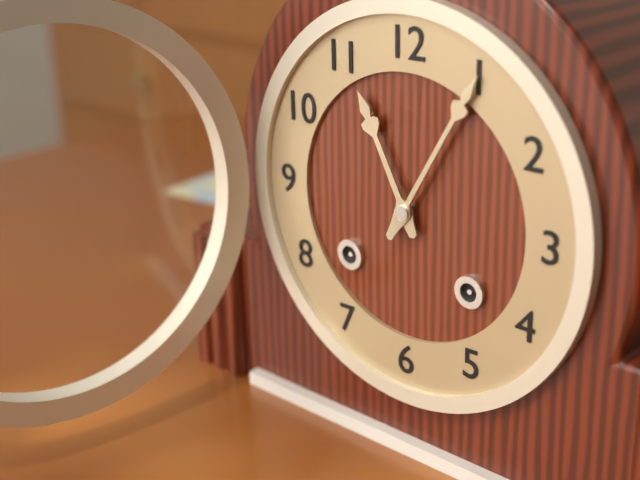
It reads **11:05**
